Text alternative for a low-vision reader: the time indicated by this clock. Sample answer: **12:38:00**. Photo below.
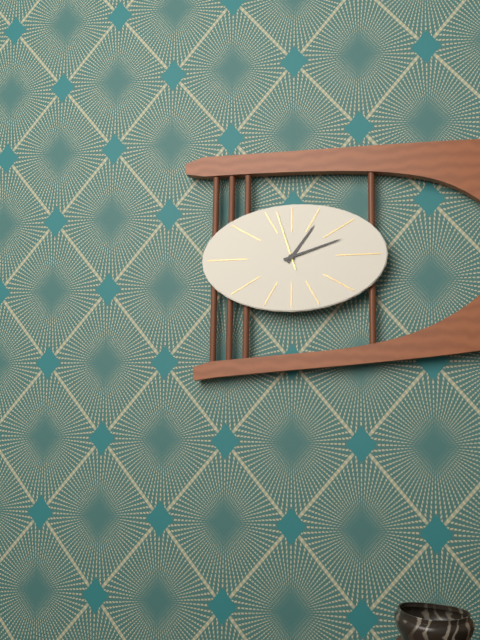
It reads **1:12:57**
